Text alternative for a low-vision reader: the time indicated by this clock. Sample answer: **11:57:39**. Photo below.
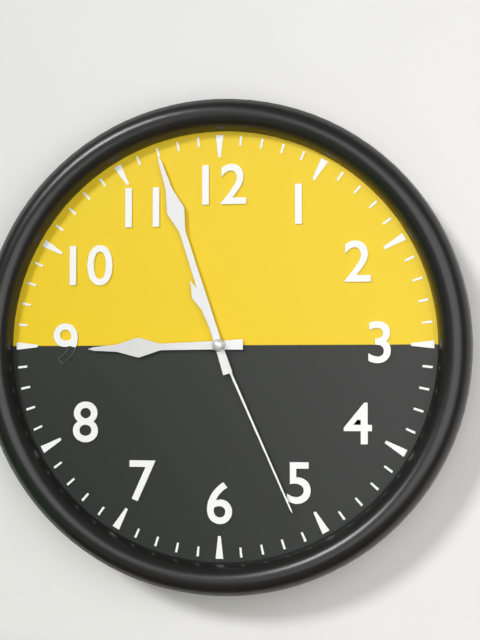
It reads **8:57:26**
